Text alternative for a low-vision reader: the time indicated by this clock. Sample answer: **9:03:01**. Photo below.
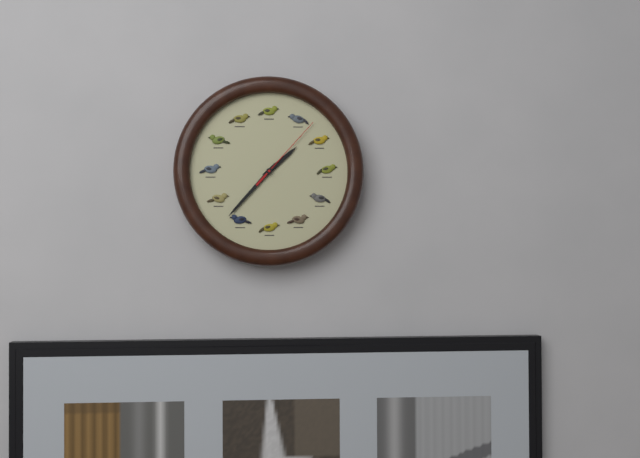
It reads **1:37:07**
